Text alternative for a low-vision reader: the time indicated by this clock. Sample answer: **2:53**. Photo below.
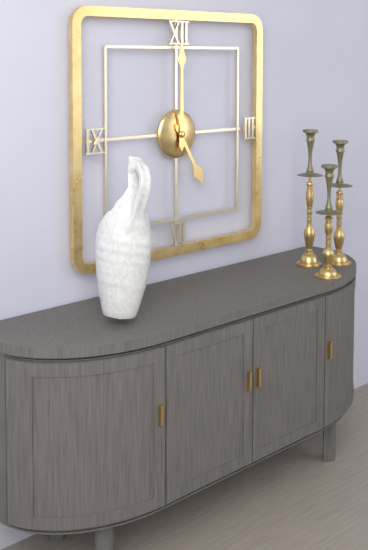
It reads **5:00**
